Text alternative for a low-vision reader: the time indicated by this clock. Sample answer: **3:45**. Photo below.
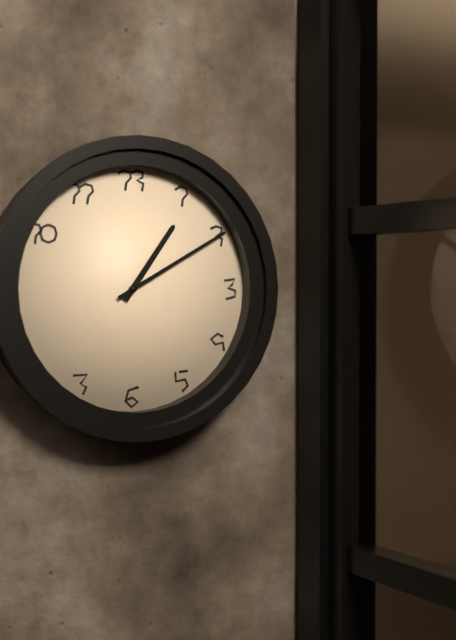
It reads **1:10**
